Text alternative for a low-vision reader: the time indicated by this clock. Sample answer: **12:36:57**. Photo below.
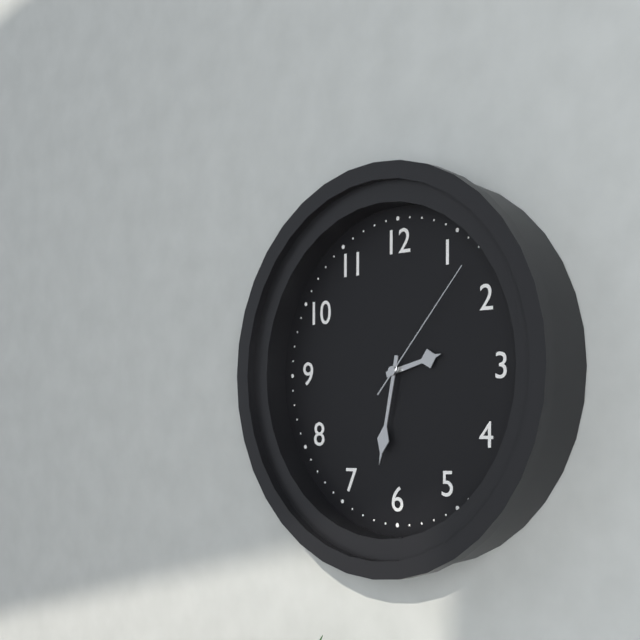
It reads **2:32:07**
